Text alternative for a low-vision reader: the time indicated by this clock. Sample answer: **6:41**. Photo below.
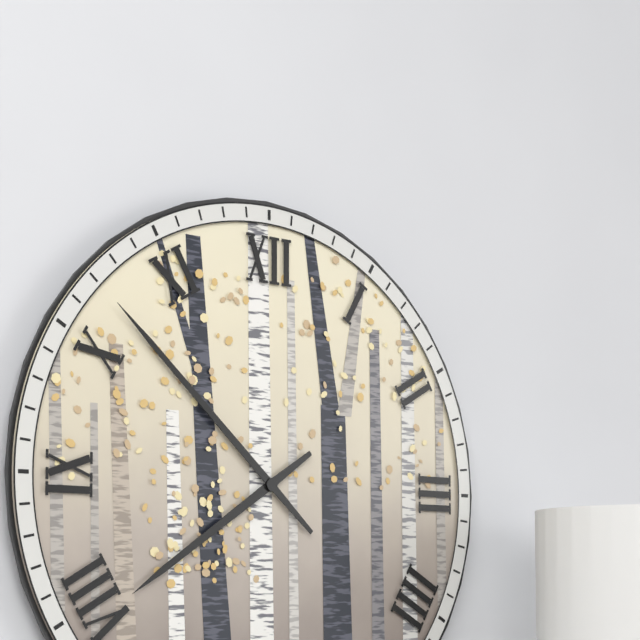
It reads **7:52**
